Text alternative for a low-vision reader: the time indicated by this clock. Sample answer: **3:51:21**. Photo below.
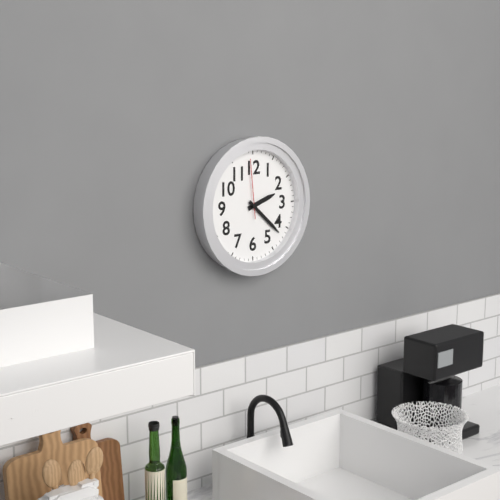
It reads **2:22:59**
